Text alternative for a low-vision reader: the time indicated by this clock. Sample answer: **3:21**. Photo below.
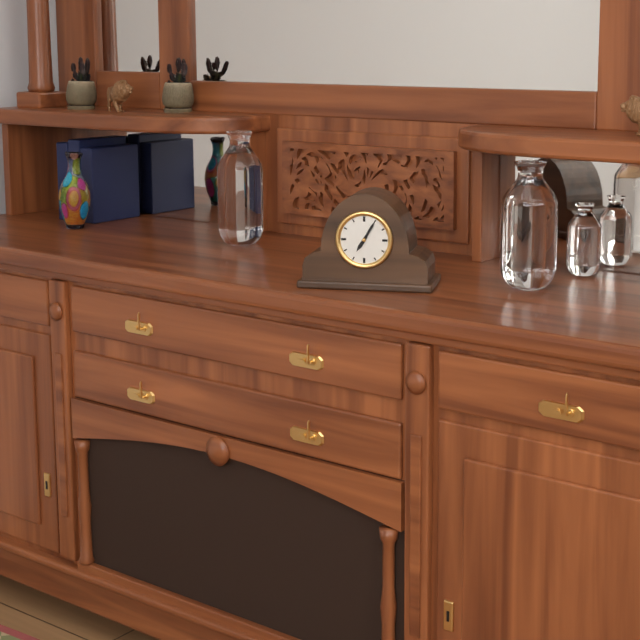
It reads **7:05**
